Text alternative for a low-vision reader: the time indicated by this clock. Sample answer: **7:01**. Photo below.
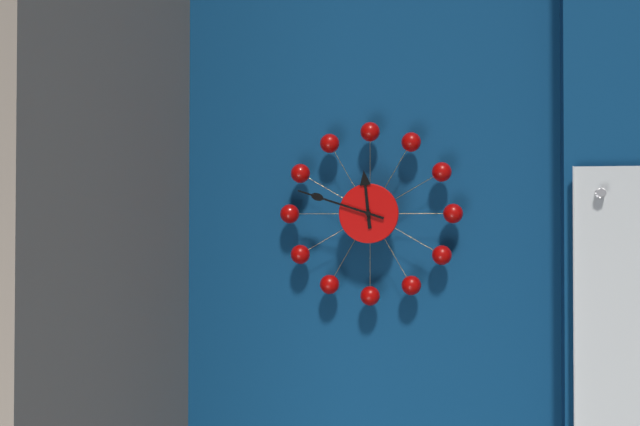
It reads **11:48**
